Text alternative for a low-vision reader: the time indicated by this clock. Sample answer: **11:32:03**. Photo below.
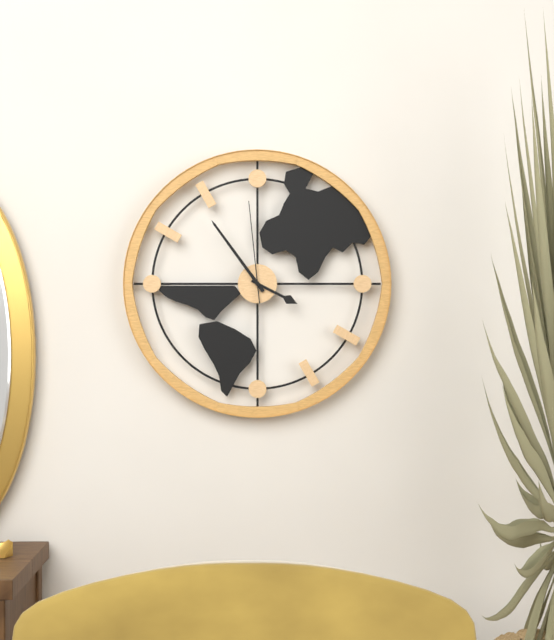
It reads **3:54:59**
